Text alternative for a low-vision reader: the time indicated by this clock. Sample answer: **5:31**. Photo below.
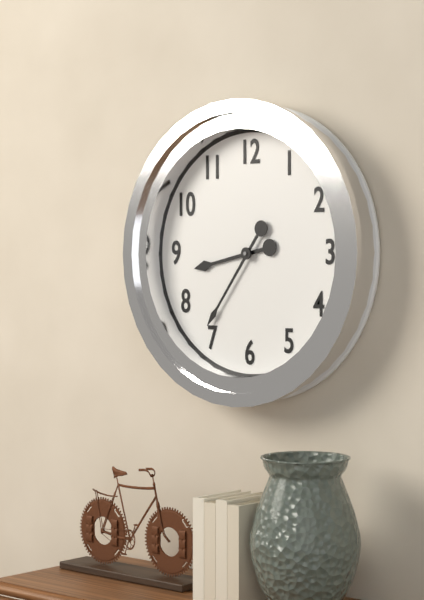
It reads **8:36**
